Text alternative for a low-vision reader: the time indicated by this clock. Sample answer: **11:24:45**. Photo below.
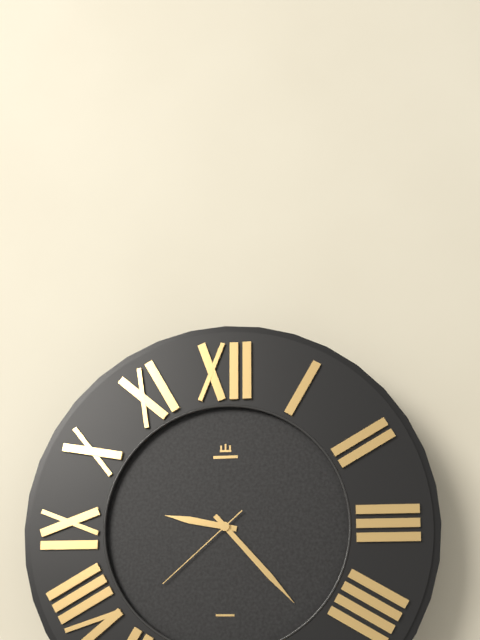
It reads **9:23:38**
